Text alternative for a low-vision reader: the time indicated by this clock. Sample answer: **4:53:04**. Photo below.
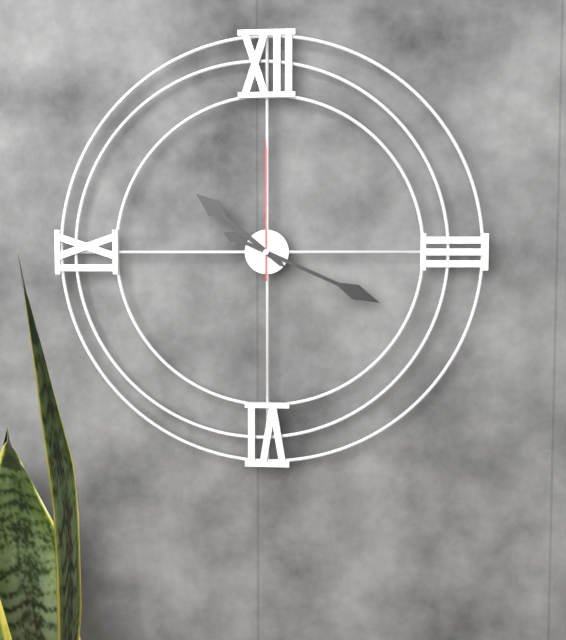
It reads **10:19:00**
